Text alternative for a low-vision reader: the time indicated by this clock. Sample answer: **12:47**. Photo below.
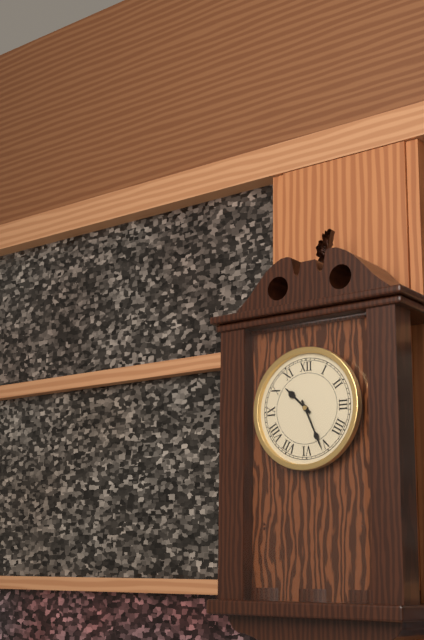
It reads **10:26**
